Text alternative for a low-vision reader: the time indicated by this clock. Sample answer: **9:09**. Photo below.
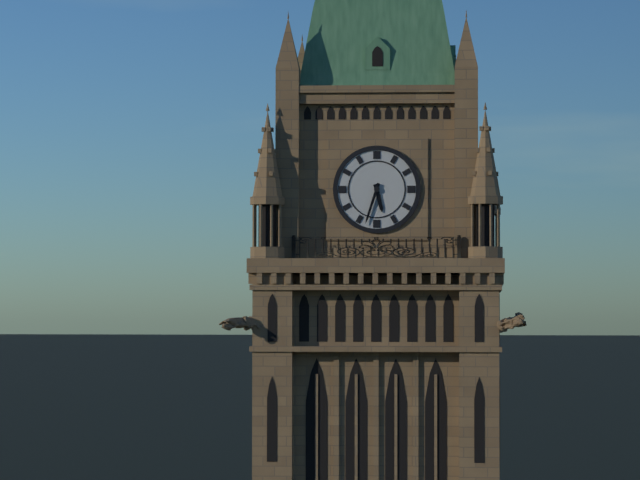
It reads **5:33**
